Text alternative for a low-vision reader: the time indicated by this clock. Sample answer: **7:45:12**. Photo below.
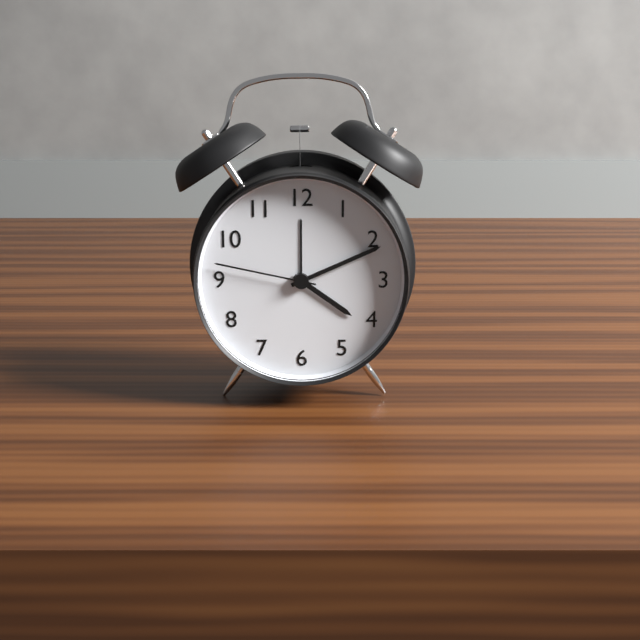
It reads **4:11:47**
